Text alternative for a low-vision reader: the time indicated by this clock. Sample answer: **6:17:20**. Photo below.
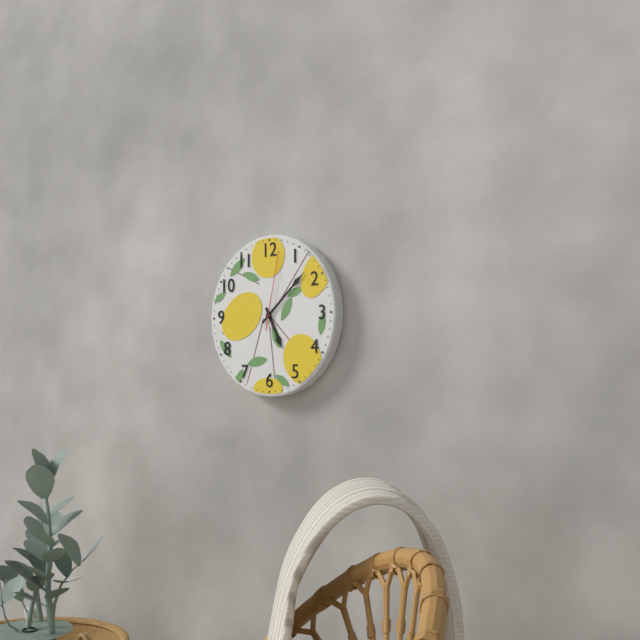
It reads **5:08:02**
